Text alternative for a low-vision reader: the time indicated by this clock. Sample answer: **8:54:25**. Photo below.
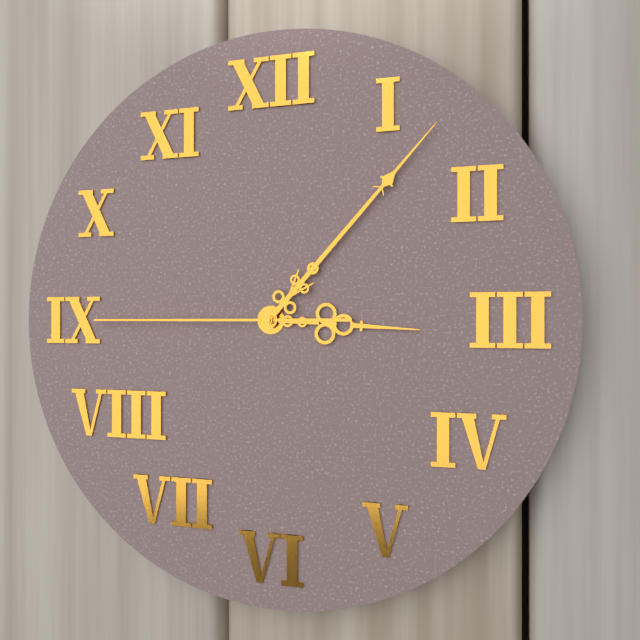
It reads **3:07:45**
